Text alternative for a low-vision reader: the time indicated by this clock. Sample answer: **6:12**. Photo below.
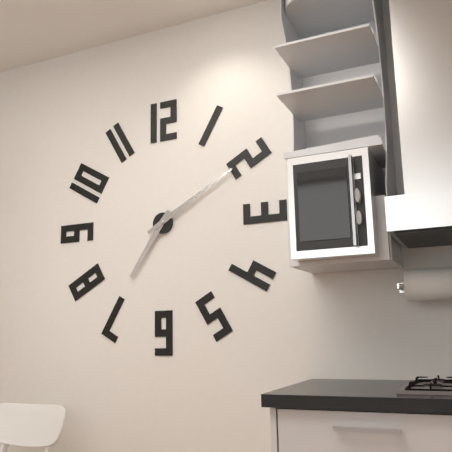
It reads **7:10**
